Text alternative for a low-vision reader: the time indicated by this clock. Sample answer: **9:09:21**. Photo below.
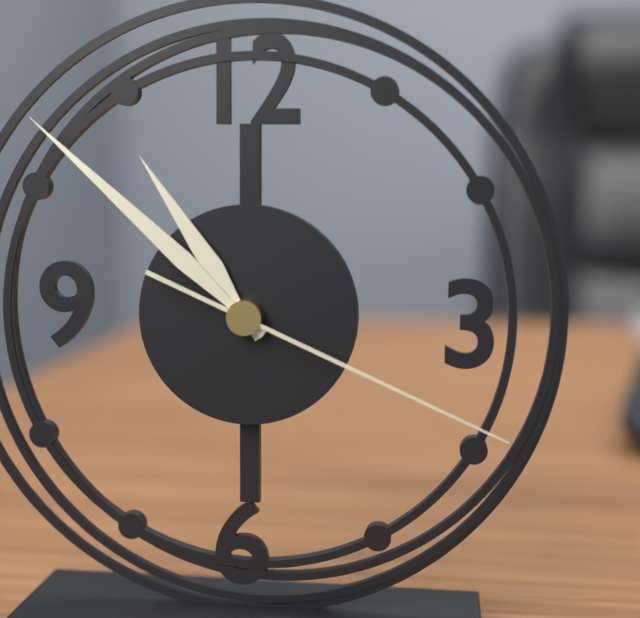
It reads **10:52:19**
